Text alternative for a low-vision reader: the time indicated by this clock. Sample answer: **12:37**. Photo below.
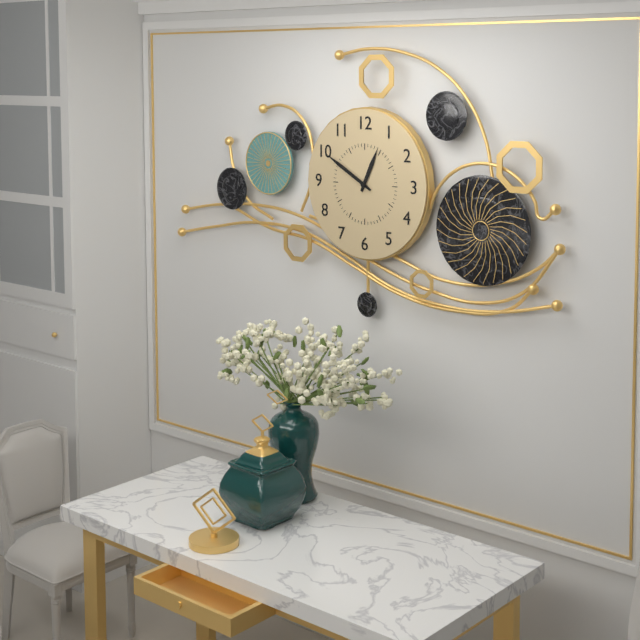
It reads **12:50**
